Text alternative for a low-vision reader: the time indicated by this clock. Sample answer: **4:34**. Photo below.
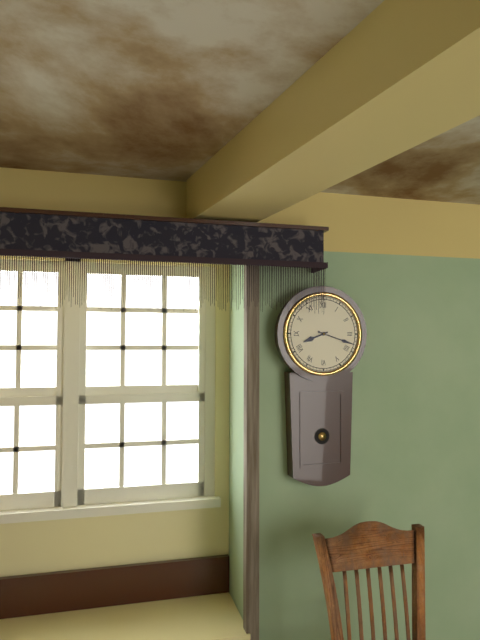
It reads **8:18**
